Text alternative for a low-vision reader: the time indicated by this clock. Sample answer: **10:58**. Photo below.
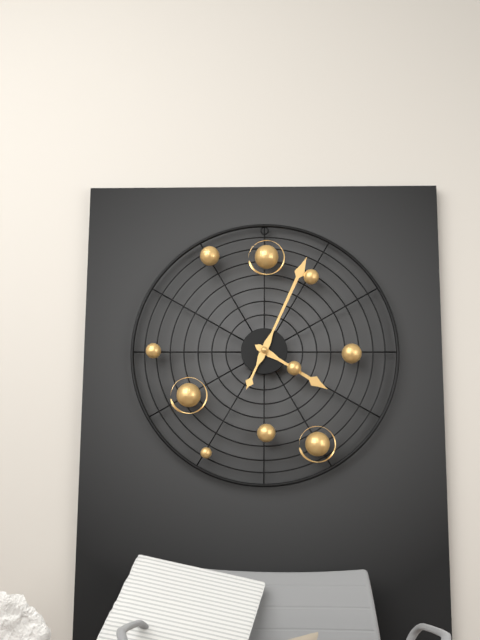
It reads **4:04**
